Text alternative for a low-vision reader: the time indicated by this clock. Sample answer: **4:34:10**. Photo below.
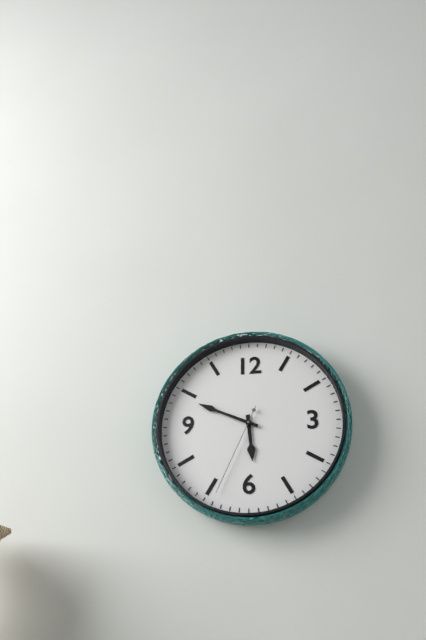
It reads **5:49:34**
